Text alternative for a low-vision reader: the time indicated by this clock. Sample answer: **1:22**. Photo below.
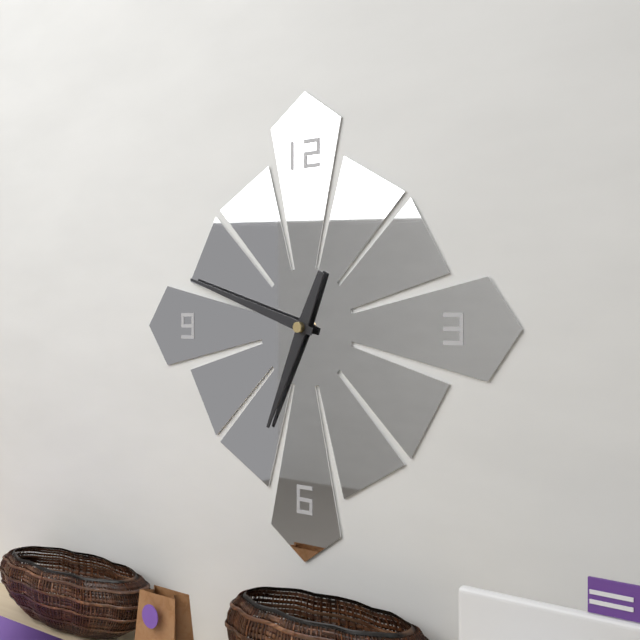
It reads **6:48**
